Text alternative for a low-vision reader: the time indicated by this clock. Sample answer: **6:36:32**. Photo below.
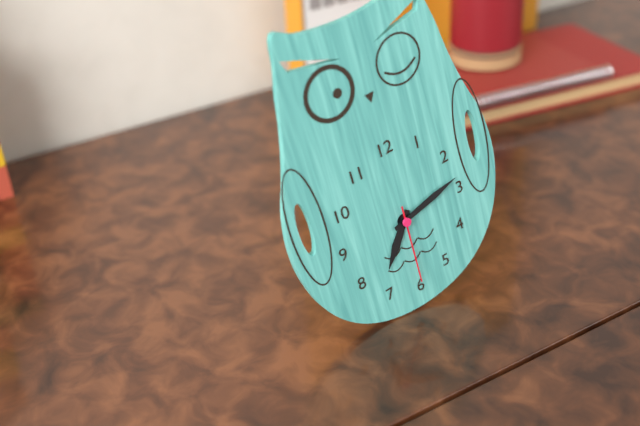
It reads **7:13:30**
